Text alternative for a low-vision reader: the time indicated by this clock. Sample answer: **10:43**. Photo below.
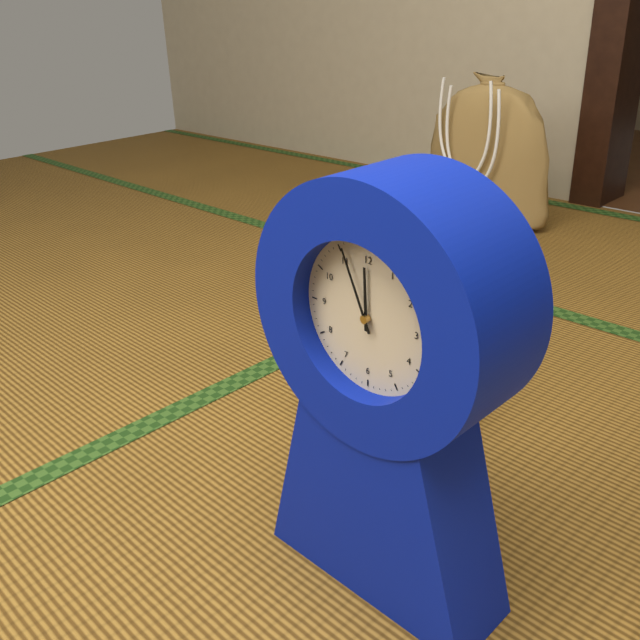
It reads **11:56**
